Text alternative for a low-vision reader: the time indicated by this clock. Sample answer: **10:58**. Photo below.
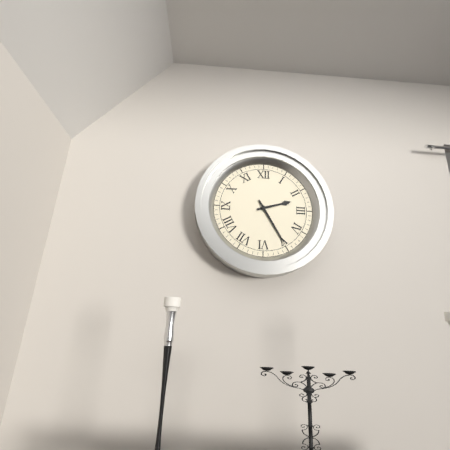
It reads **2:25**
